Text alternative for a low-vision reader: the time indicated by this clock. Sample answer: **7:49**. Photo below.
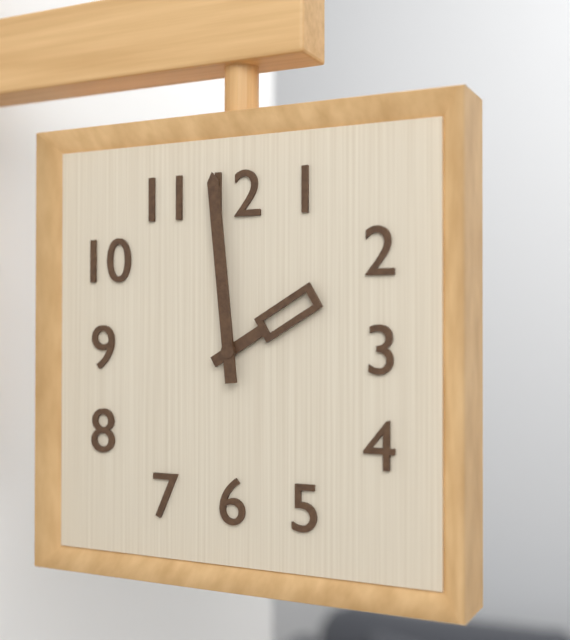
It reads **1:59**
